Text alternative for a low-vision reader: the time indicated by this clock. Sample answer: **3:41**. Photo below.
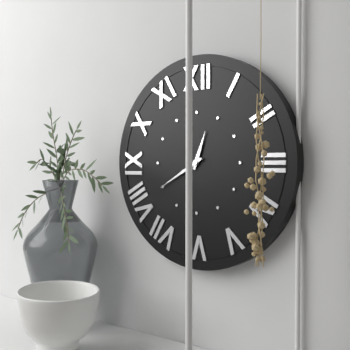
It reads **12:40**
